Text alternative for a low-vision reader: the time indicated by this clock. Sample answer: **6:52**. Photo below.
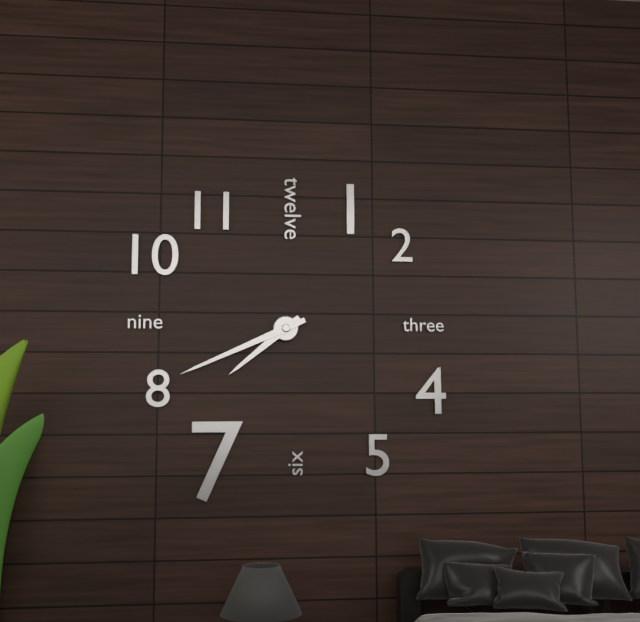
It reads **7:41**
